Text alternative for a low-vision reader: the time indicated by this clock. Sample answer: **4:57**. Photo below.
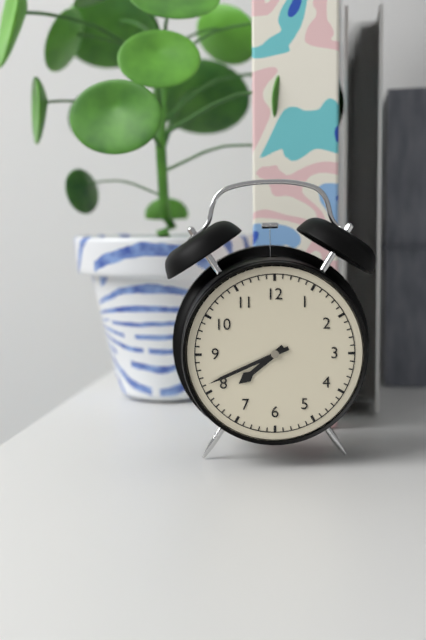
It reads **7:41**
